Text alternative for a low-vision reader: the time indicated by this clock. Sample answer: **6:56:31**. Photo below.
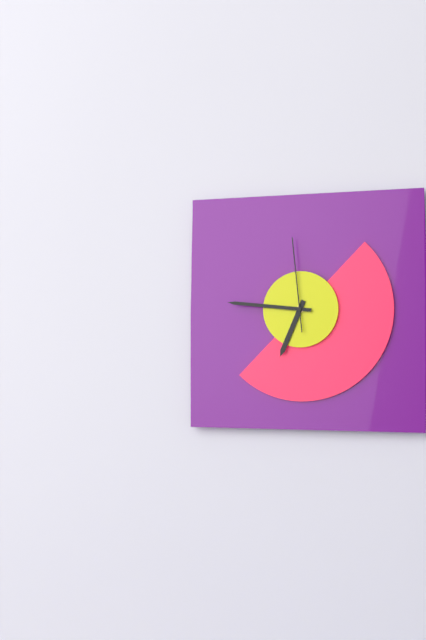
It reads **6:46:59**
